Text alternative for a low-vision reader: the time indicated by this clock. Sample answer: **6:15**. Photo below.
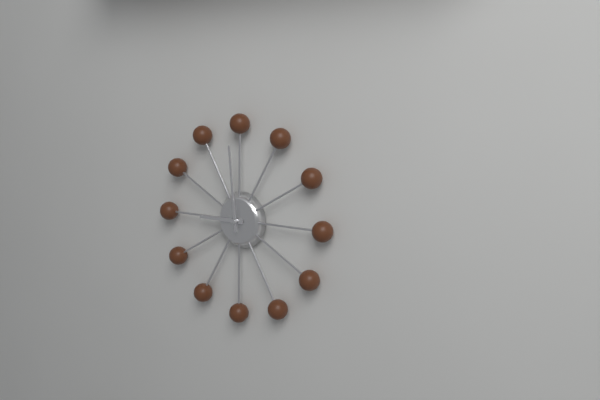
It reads **8:59**
